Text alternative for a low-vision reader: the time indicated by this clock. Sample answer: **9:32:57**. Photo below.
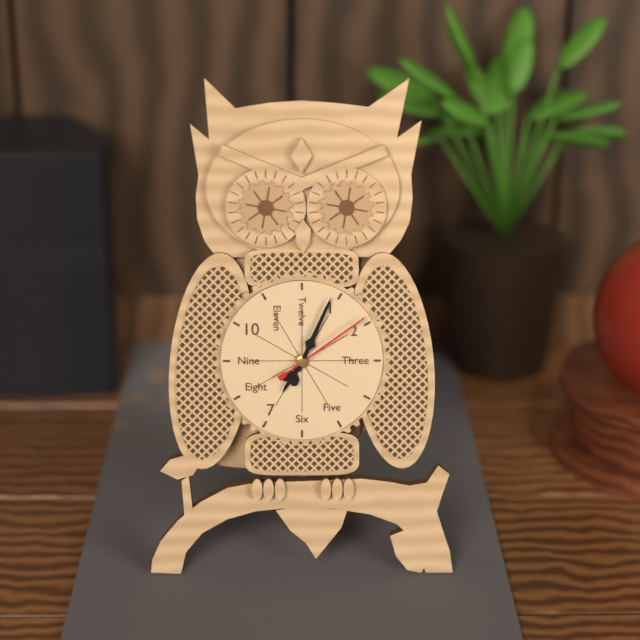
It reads **7:04:09**
